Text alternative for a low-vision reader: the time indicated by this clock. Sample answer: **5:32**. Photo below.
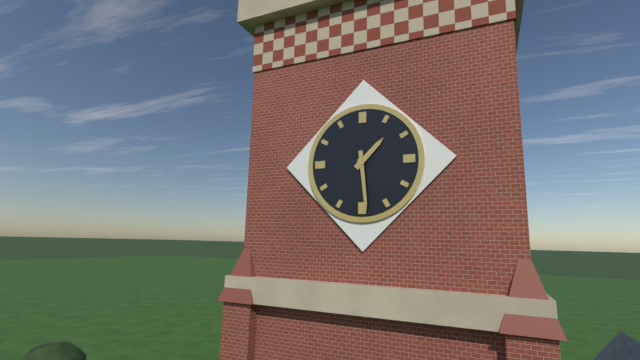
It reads **1:29**
